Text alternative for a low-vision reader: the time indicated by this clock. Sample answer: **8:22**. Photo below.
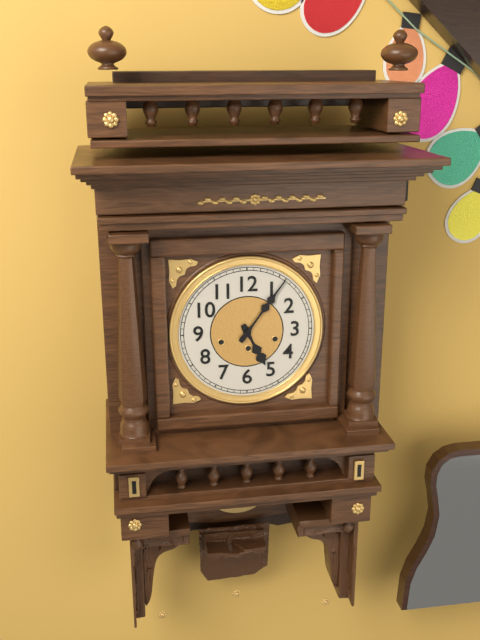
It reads **5:06**
